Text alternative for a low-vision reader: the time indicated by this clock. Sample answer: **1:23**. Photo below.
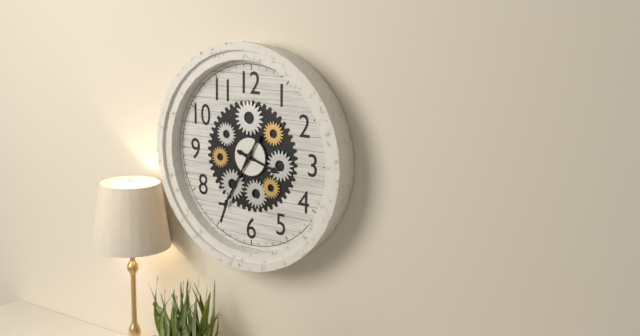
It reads **3:35**
